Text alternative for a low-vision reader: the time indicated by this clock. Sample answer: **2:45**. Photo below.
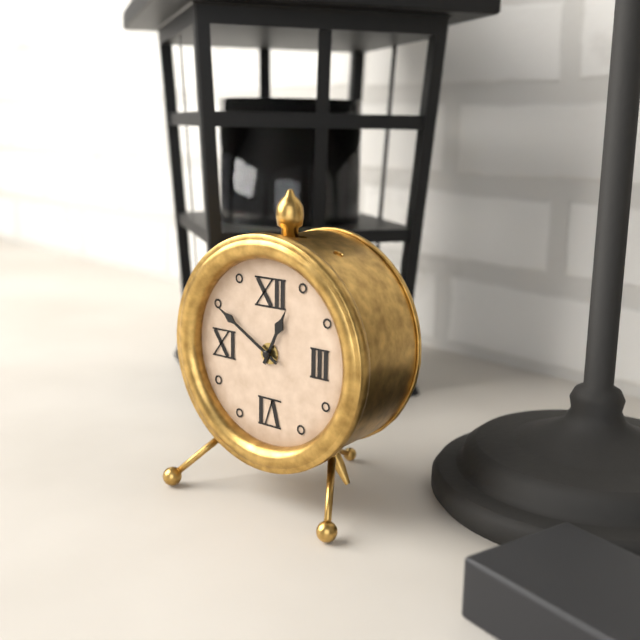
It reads **12:50**
